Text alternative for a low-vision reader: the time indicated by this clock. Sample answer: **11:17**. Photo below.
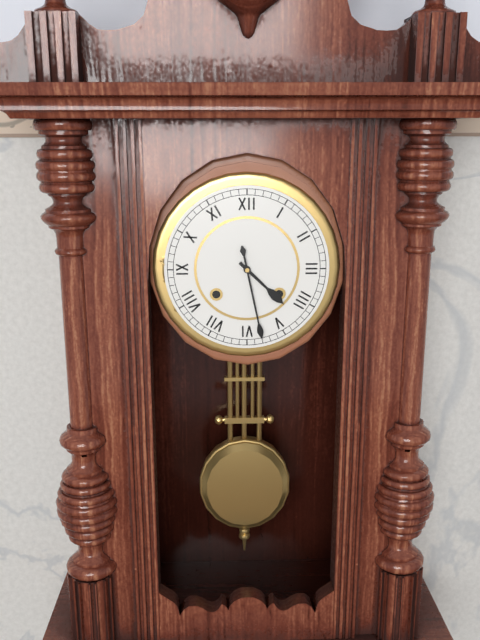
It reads **4:28**
